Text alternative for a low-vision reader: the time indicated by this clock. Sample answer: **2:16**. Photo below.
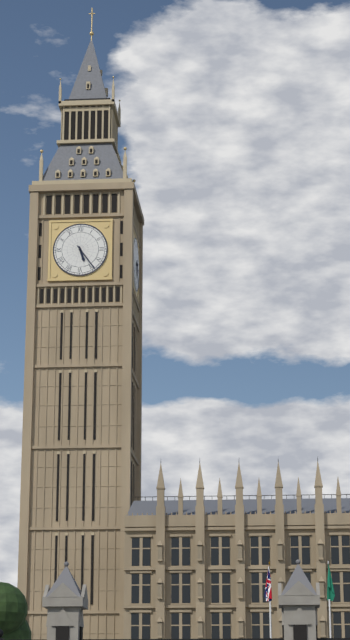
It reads **5:24**
